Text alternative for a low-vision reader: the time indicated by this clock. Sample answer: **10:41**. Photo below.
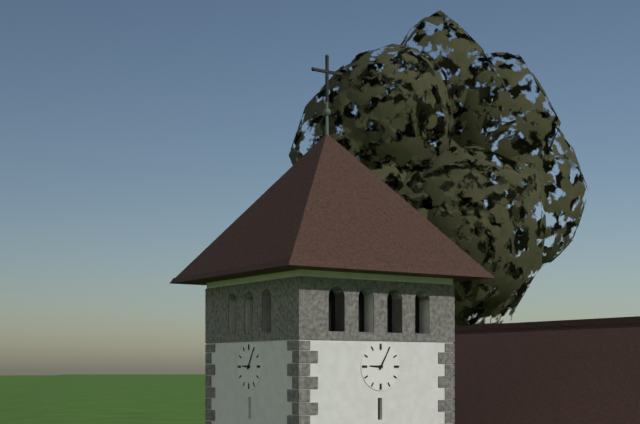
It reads **9:05**
